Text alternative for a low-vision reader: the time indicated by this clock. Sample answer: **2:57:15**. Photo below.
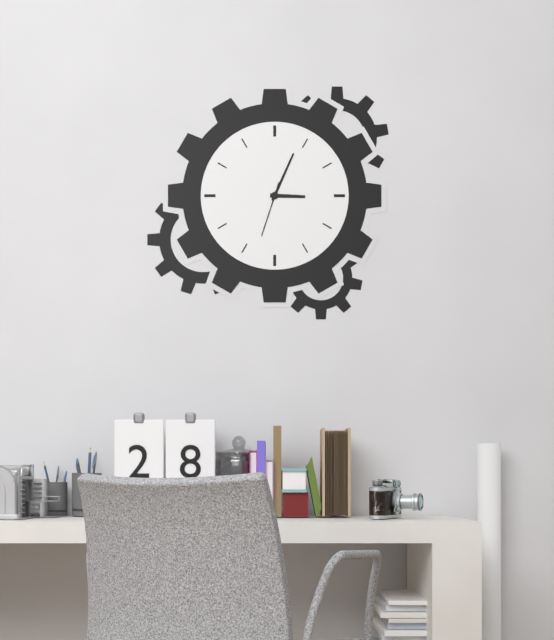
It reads **3:04:33**
